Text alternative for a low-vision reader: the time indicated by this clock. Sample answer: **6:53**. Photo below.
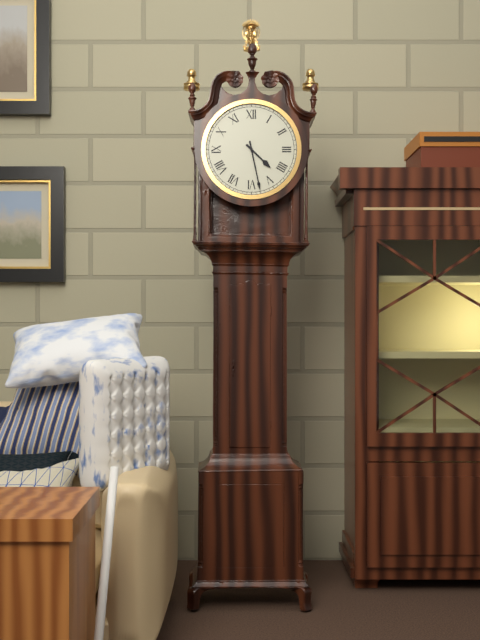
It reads **4:28**
